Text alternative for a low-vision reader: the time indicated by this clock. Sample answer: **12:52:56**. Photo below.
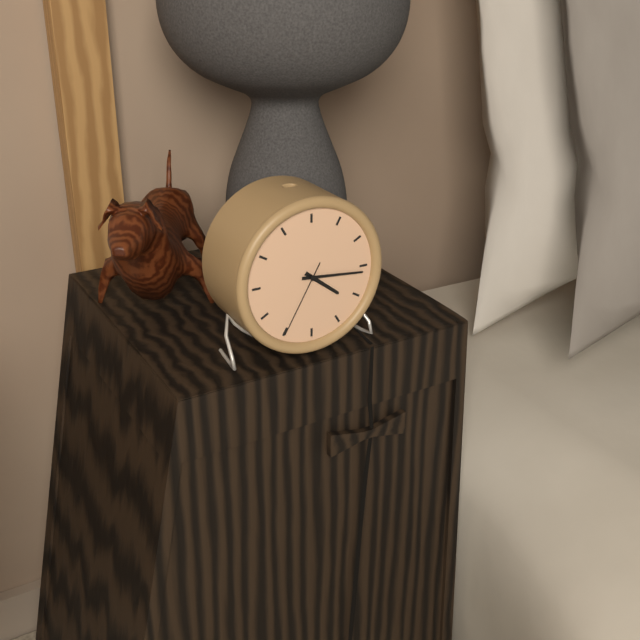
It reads **4:16:35**
